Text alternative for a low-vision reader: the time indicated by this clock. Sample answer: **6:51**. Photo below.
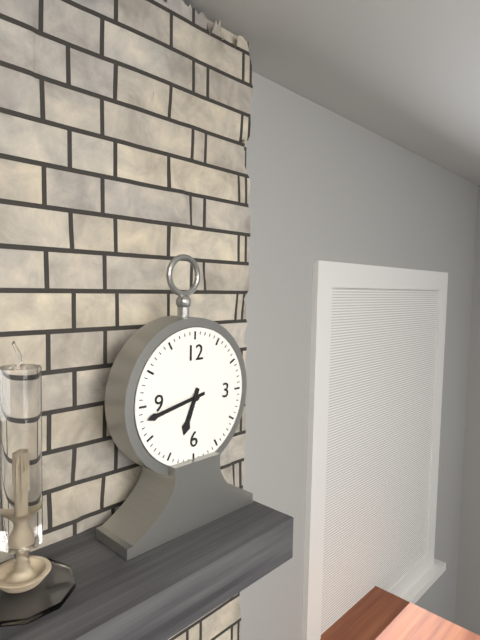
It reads **6:43**
